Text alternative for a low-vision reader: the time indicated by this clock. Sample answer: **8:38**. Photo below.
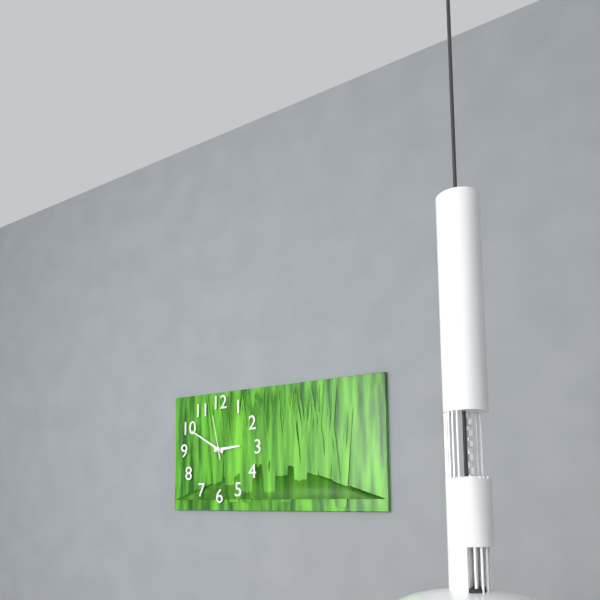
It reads **2:50**
